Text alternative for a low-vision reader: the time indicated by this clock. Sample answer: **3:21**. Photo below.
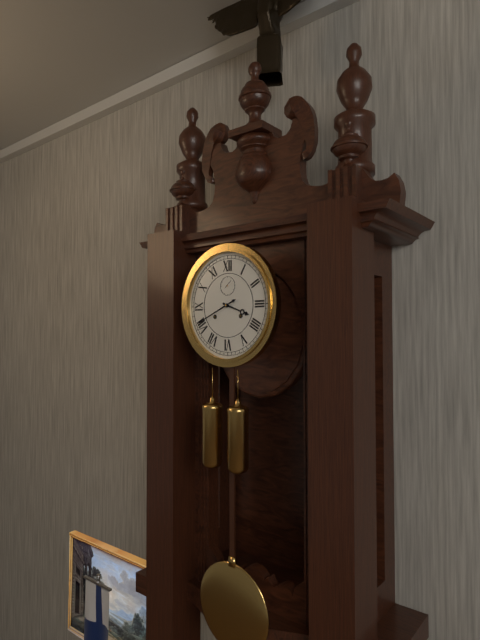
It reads **3:41**
